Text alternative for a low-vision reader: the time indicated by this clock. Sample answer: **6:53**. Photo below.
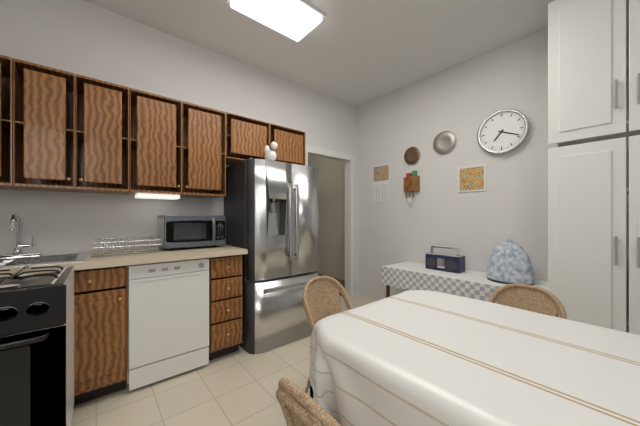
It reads **7:19**
